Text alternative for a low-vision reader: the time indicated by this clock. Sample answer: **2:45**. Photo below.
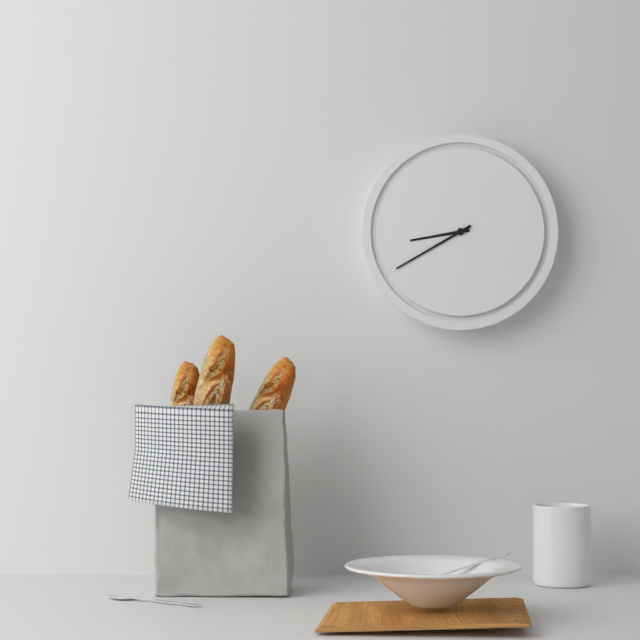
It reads **8:40**
